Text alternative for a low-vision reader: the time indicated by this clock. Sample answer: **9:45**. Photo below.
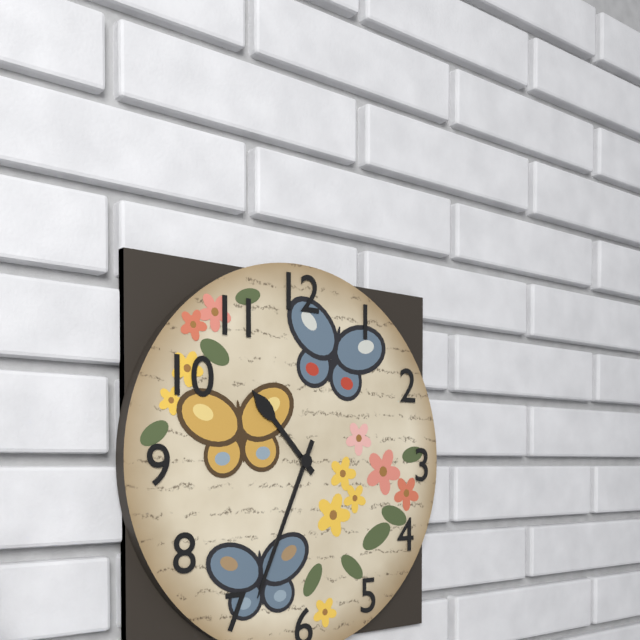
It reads **10:34**
